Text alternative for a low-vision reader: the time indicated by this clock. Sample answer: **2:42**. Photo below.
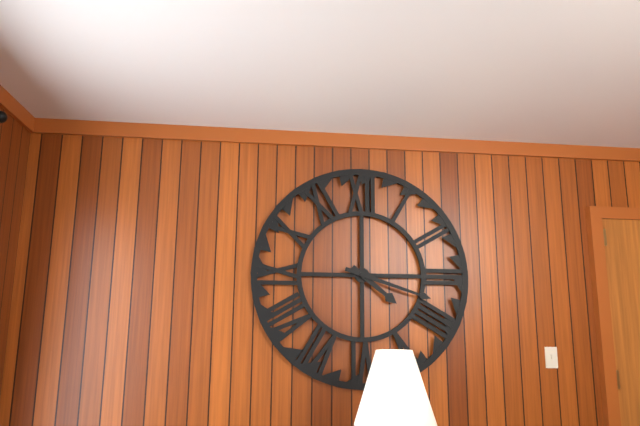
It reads **4:18**
